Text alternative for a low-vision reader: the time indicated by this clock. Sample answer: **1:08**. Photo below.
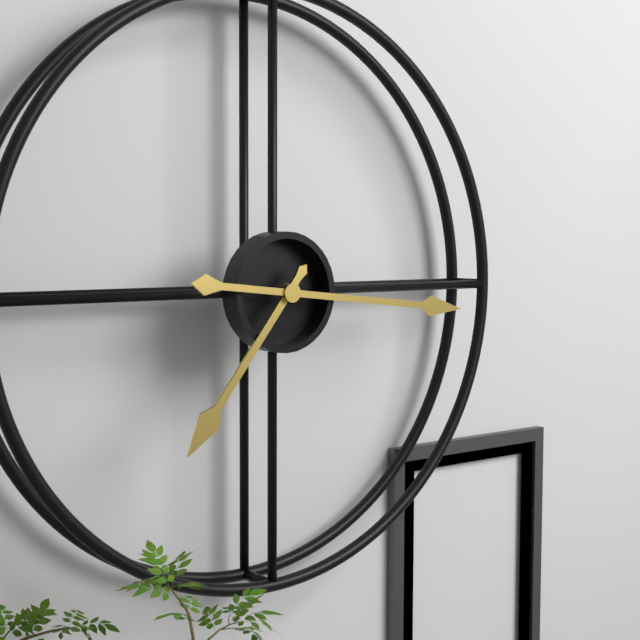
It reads **7:16**
